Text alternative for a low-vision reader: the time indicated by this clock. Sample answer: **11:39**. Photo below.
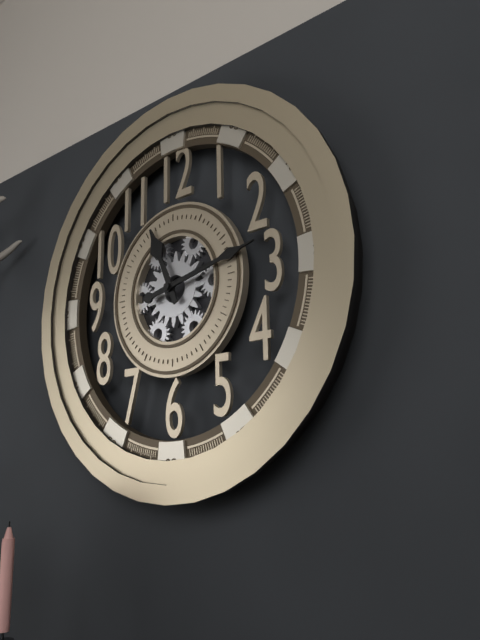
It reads **11:13**
